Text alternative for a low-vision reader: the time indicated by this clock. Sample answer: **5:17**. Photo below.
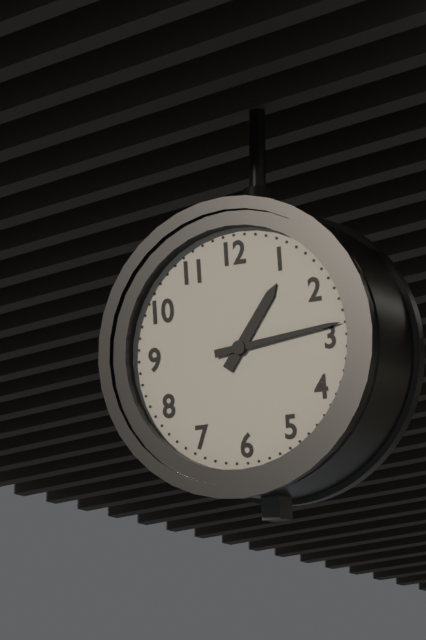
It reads **1:14**
